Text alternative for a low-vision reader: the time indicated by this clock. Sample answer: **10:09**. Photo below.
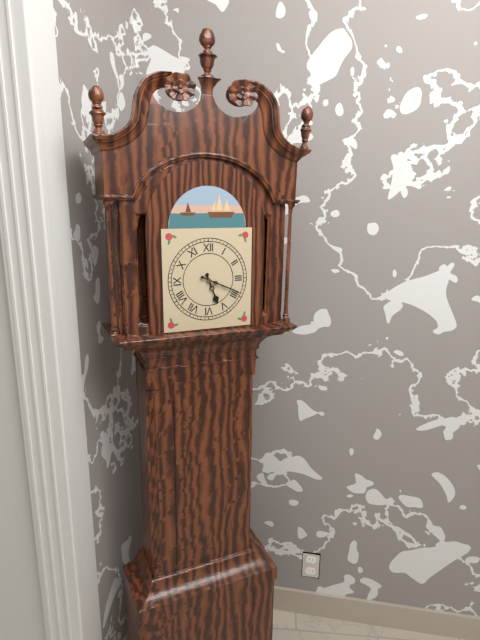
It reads **5:19**
